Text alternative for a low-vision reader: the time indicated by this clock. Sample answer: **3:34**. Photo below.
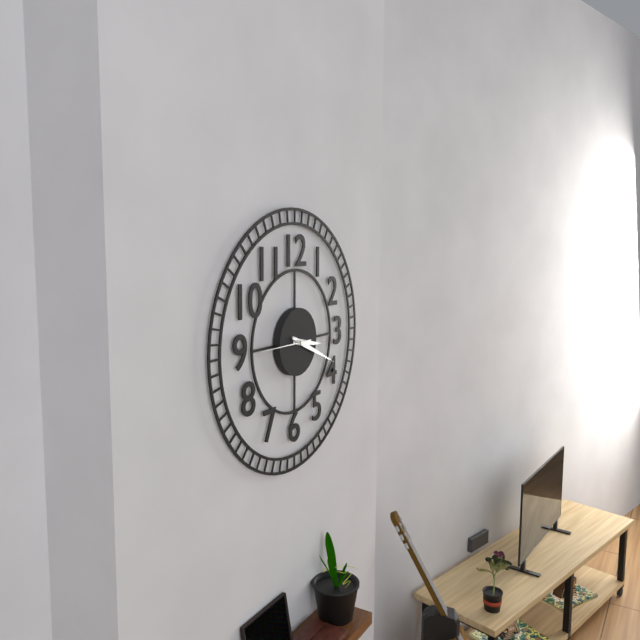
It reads **3:19**
